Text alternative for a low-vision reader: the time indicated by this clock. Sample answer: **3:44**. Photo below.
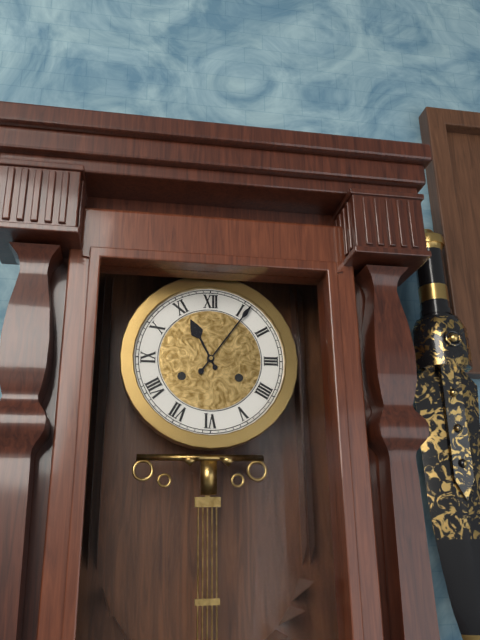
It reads **11:06**
